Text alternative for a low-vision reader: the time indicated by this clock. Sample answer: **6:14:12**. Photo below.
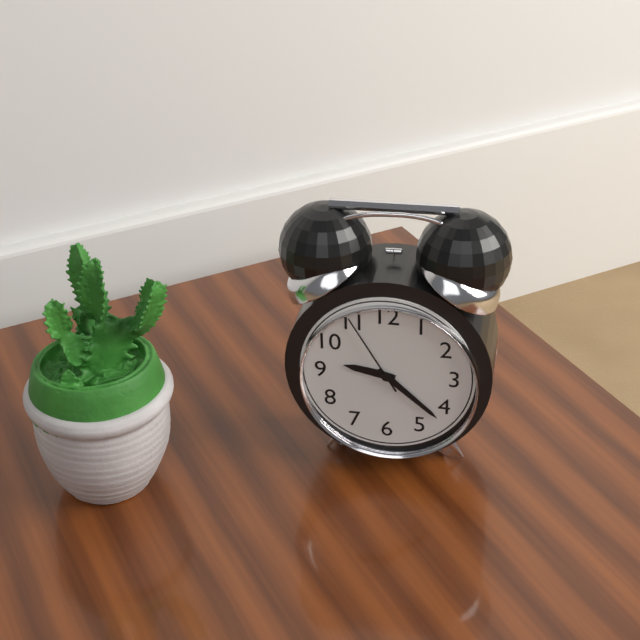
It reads **9:22:55**
